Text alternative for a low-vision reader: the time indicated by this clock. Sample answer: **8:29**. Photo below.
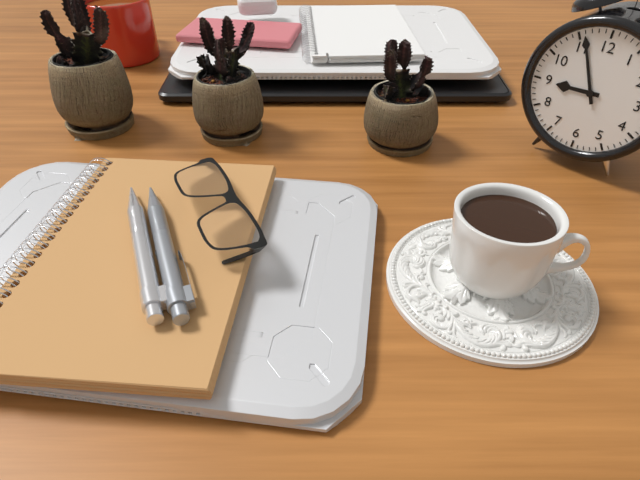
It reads **8:56**
